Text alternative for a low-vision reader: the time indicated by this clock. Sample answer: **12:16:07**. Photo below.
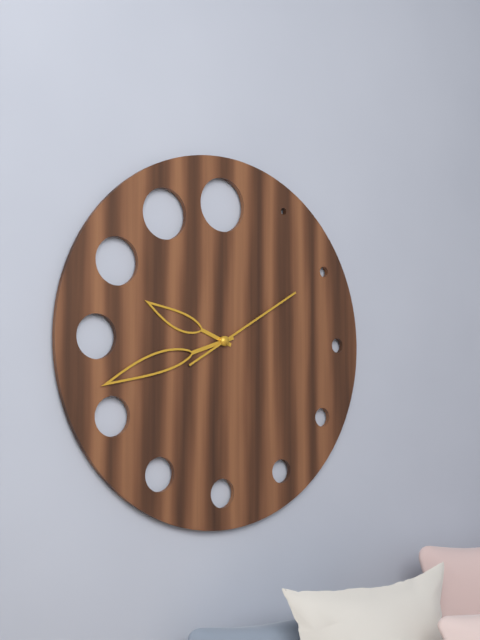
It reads **9:42:10**
